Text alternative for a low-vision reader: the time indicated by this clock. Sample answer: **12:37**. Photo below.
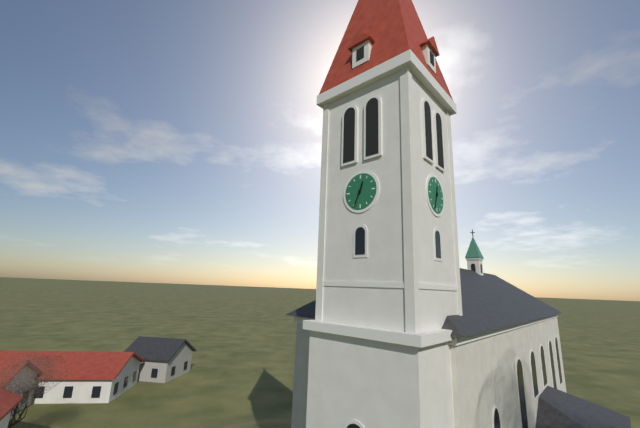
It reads **12:34**
